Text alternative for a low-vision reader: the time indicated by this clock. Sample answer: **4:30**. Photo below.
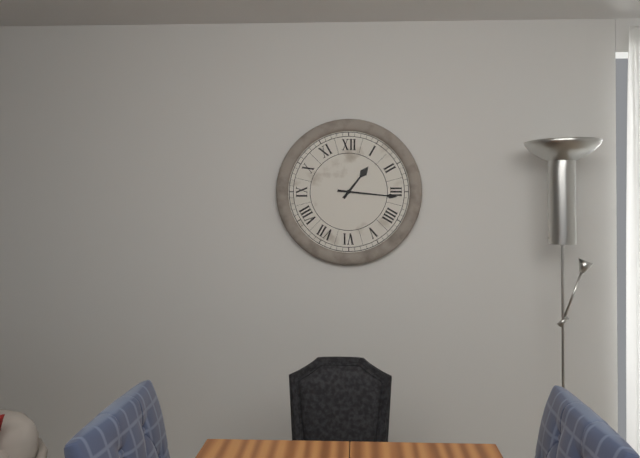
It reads **1:16**
